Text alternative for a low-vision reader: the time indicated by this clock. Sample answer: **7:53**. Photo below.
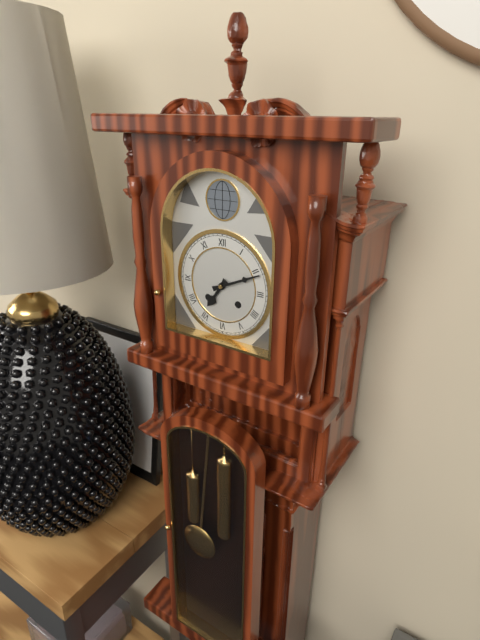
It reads **7:11**
